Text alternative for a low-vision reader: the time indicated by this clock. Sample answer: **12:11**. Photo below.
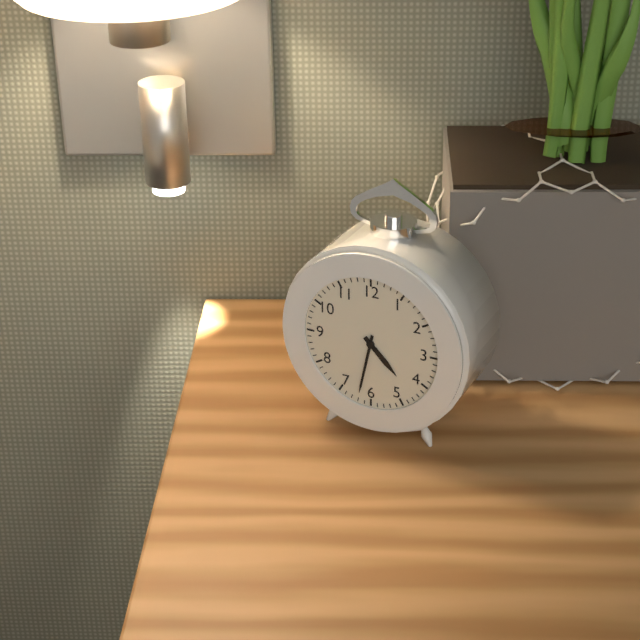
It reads **4:32**
